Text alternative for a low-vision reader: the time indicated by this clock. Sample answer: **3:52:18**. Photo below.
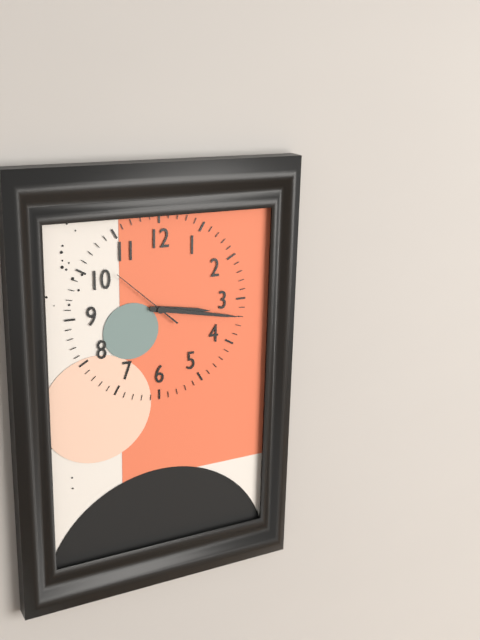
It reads **3:17:52**
